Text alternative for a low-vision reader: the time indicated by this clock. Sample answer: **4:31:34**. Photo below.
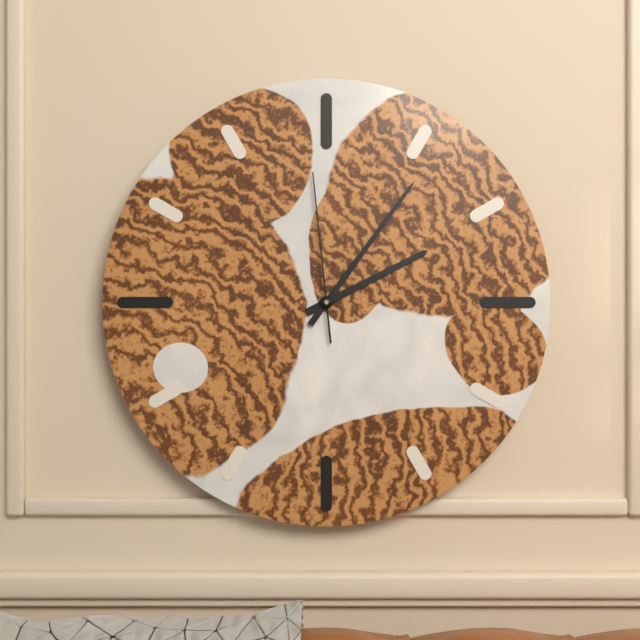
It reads **2:06:59**
